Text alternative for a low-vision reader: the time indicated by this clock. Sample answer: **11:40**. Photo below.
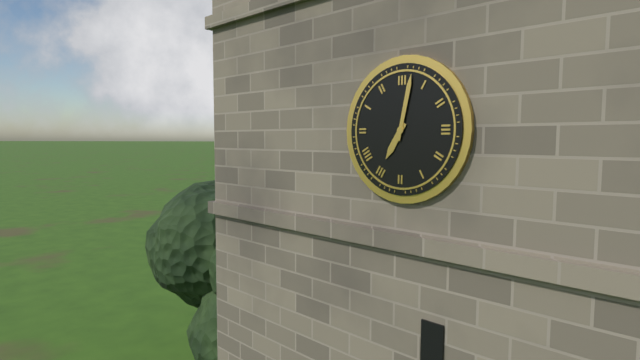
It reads **7:02**
